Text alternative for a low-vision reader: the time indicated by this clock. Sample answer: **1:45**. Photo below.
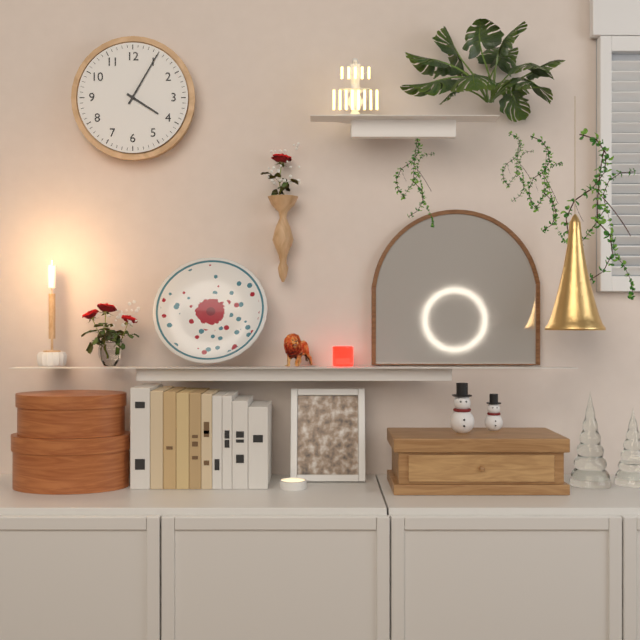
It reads **4:05**
